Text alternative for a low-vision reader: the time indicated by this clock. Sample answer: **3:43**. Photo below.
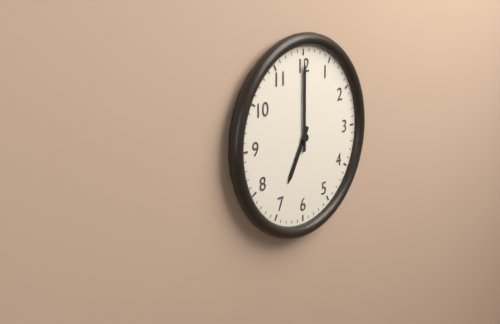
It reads **7:00**
